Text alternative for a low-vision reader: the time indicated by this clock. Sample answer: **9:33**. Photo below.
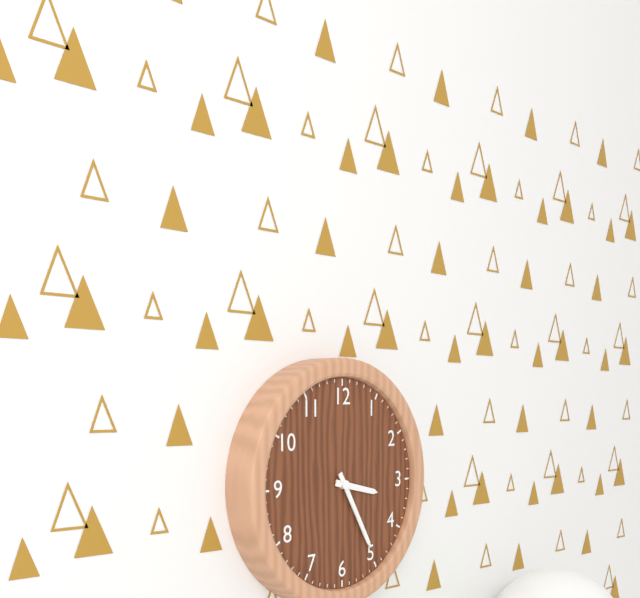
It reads **3:25**
